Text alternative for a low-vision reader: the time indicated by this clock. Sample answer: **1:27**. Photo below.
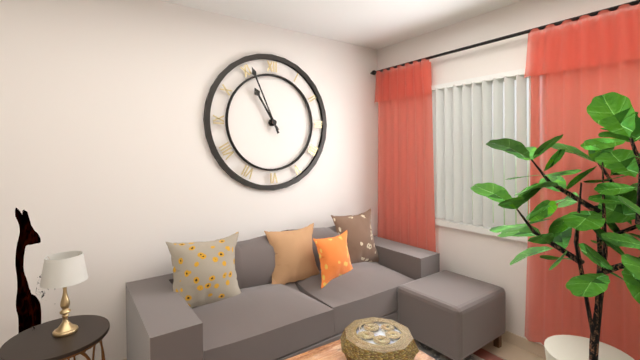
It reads **10:56**
